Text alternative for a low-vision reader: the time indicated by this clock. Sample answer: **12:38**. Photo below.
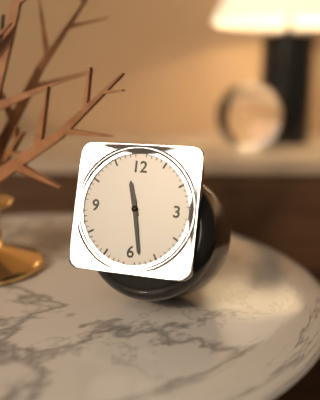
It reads **11:28**
